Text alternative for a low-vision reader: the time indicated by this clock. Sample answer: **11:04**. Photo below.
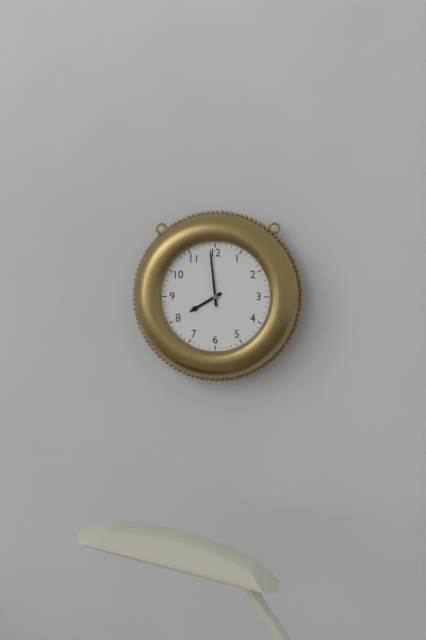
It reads **7:59**
